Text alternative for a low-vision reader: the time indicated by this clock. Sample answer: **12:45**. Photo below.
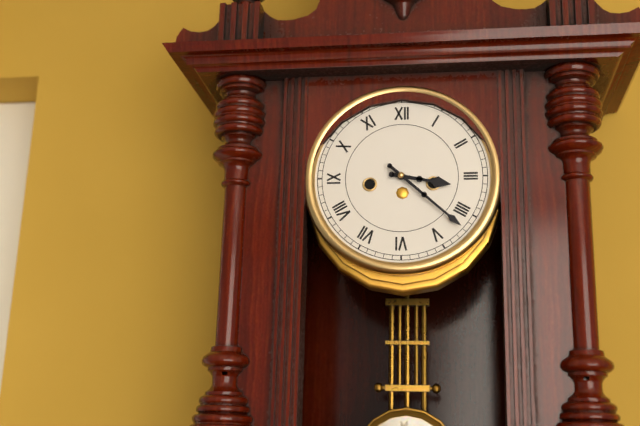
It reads **3:22**
